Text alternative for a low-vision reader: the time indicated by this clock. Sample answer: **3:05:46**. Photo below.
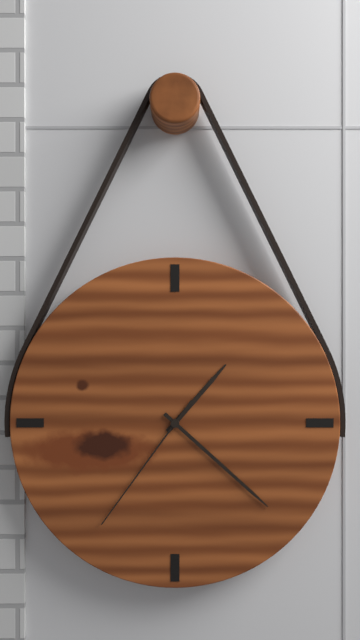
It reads **1:22:36**
